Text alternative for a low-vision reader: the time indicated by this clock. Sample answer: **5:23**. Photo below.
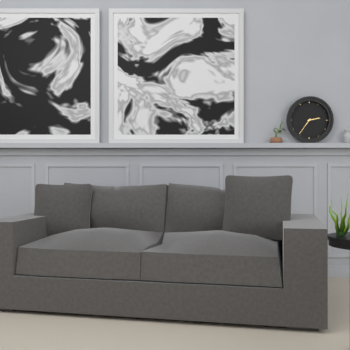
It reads **2:36**
